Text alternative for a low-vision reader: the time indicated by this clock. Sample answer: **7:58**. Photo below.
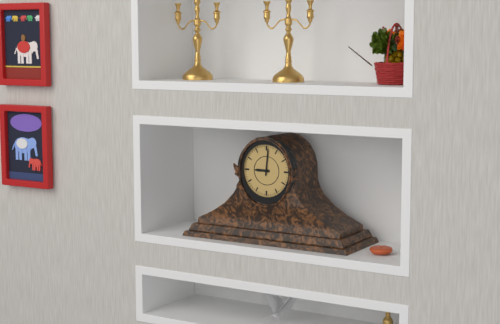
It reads **9:01**
